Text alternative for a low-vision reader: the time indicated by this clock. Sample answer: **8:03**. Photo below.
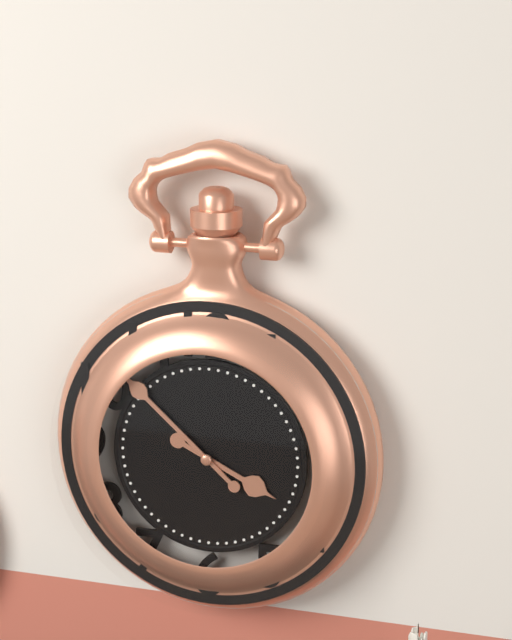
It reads **3:52**
